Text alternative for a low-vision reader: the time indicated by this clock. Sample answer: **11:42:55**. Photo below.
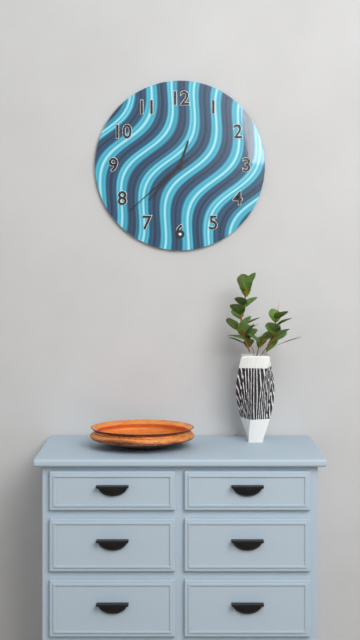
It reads **12:37:38**
